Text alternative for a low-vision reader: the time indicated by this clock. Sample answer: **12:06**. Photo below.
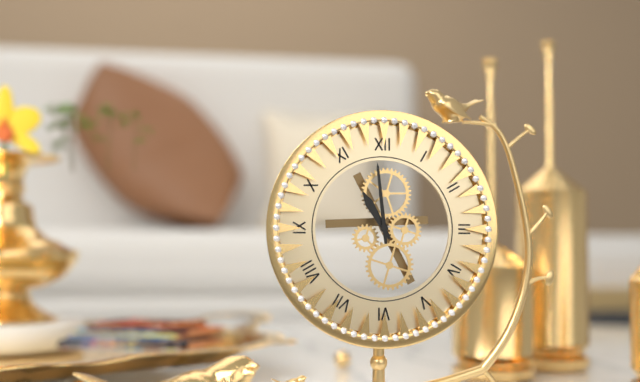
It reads **10:59**
